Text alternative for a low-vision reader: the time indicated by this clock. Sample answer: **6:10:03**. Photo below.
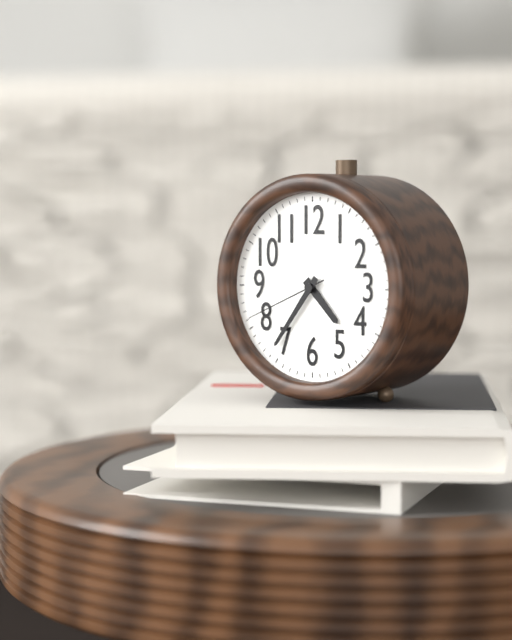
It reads **4:36:41**
